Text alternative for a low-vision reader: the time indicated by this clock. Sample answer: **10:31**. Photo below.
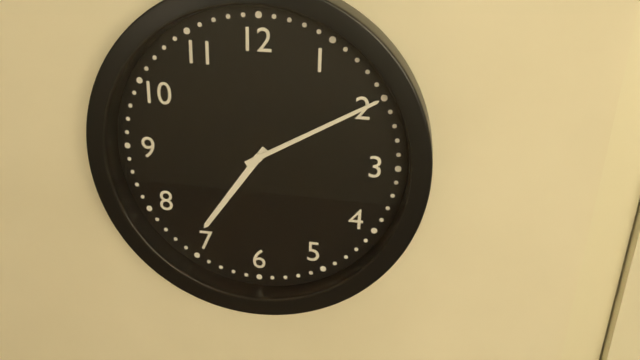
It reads **7:10**
